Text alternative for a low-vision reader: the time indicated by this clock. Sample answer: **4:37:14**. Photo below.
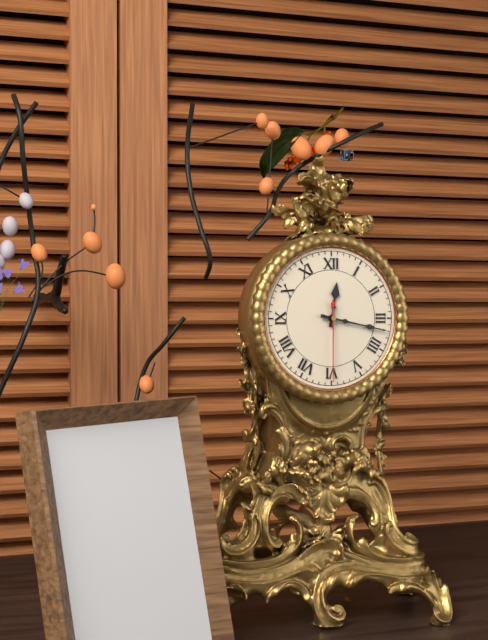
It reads **12:17:30**
